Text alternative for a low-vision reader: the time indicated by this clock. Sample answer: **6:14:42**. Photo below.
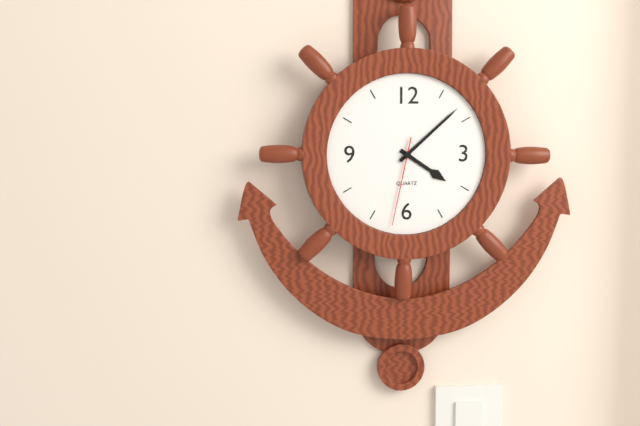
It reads **4:08:32**
